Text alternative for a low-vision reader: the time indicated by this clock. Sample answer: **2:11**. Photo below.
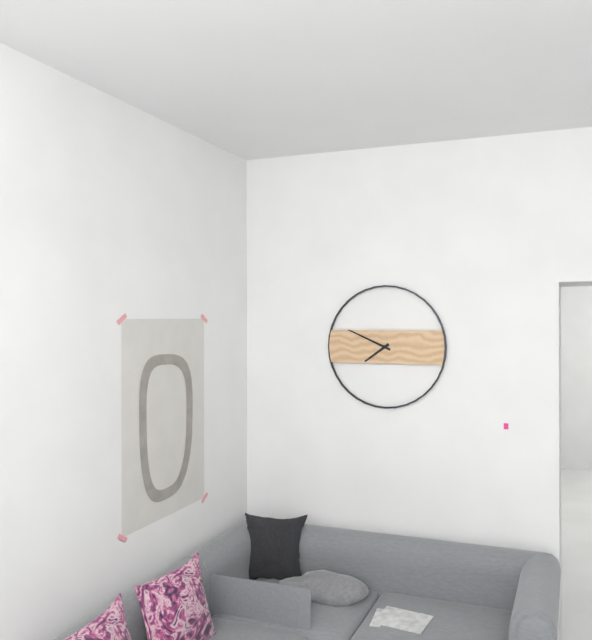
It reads **7:49**
